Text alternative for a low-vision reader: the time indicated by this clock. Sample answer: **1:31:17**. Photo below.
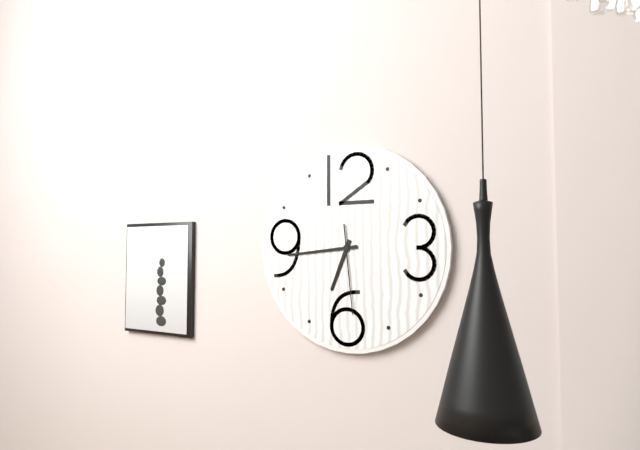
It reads **6:44:29**
